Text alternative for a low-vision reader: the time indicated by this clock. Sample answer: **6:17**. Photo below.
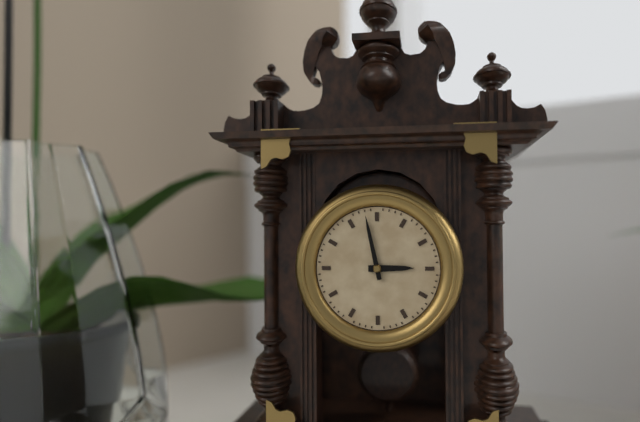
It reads **2:58**
